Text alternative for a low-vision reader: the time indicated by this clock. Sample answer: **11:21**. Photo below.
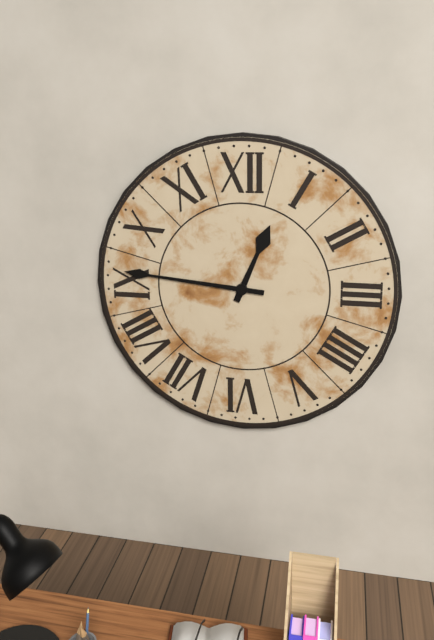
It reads **12:46**
